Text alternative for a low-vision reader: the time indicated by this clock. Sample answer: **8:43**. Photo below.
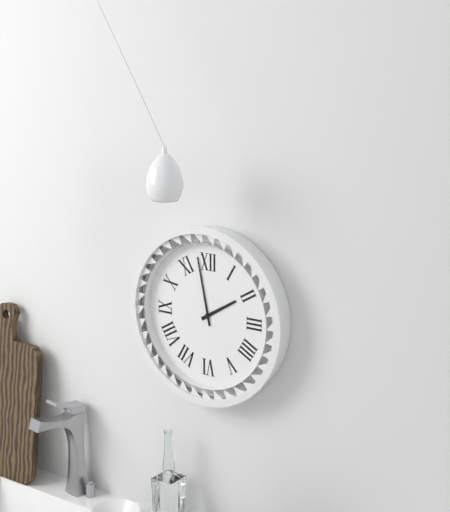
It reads **1:58**
